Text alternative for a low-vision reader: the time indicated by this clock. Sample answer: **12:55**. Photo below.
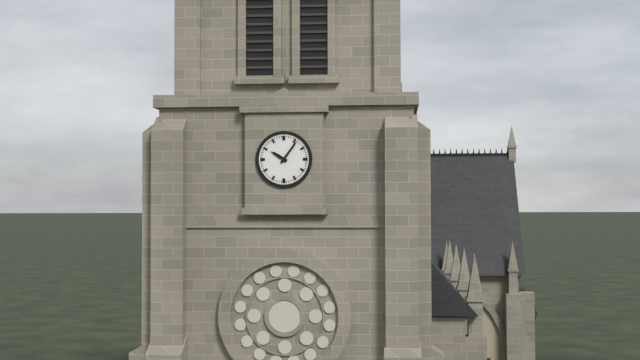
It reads **10:06**
